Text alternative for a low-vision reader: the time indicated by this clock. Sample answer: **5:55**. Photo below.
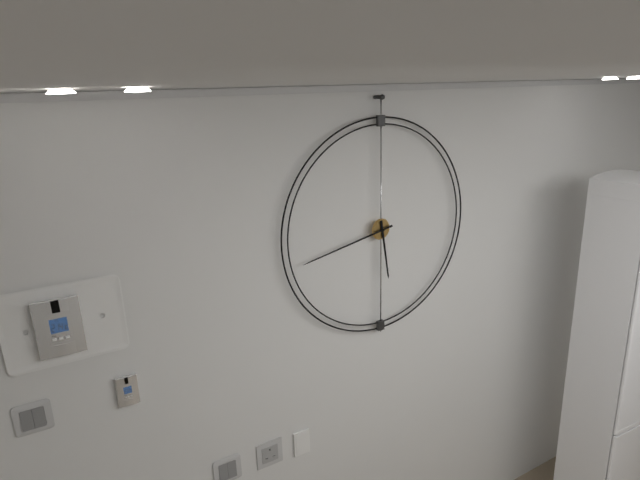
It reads **5:43**
